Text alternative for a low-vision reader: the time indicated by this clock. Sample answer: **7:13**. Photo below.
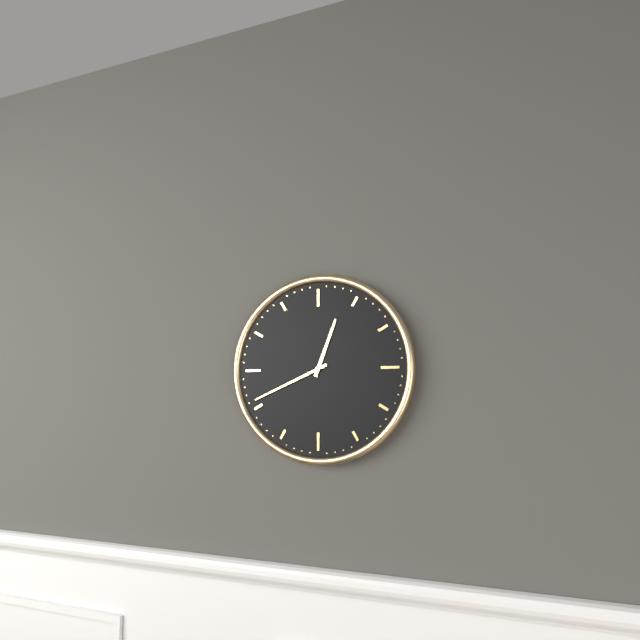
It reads **12:41**
